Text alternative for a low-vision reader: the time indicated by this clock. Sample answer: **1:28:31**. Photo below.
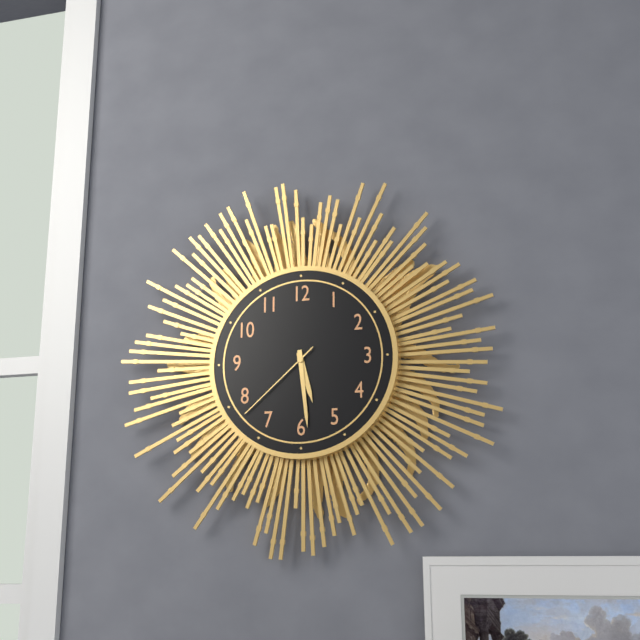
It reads **5:29:38**
